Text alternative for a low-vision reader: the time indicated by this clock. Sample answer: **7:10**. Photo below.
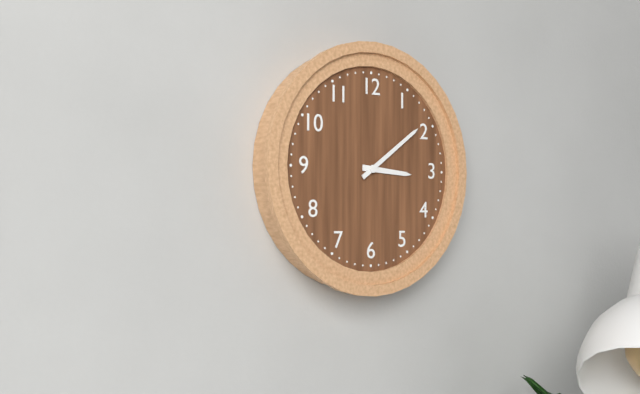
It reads **3:09**
